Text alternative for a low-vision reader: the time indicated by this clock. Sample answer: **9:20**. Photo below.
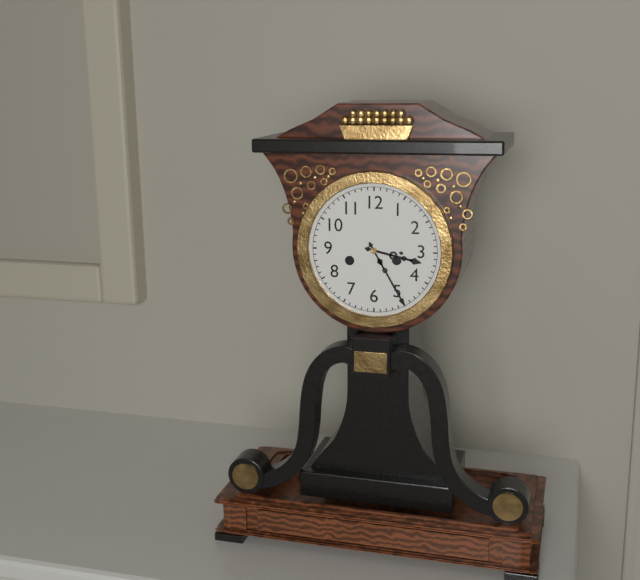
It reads **3:25**
